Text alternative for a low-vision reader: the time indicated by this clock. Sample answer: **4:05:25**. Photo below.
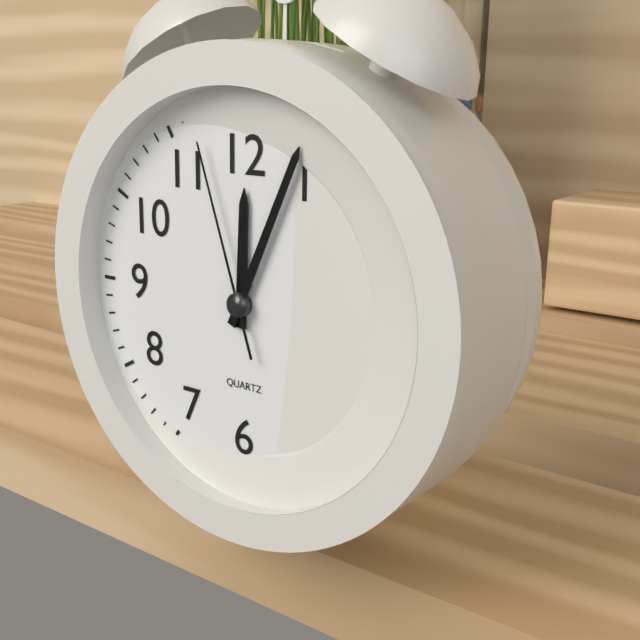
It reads **12:04:57**
